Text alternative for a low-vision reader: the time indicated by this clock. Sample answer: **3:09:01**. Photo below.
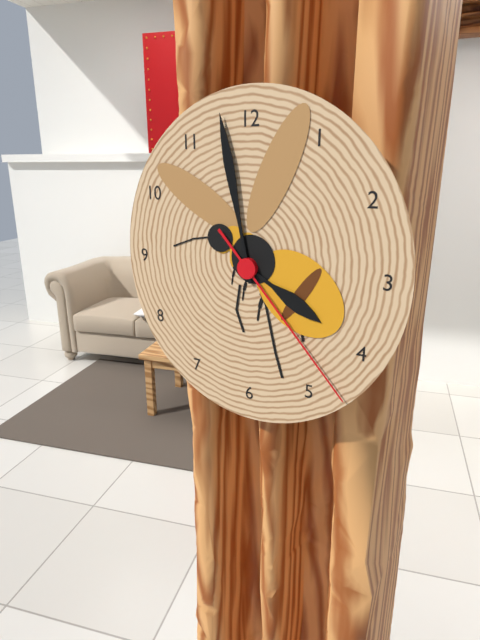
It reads **3:58:23**
